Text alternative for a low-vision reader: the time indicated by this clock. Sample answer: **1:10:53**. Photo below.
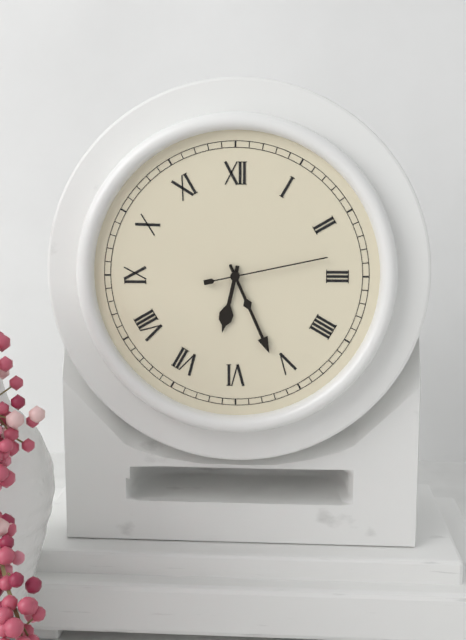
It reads **6:26:13**
